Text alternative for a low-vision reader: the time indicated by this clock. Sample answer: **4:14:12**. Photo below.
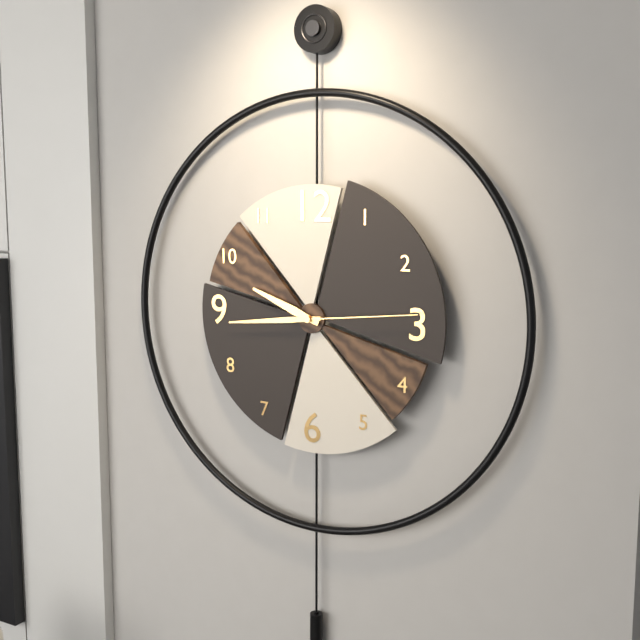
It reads **9:44:14**
